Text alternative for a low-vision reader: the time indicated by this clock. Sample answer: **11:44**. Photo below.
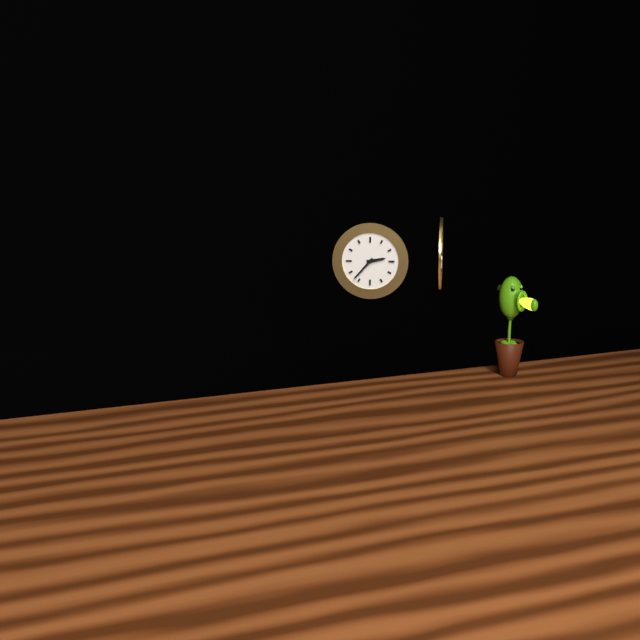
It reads **2:37**
